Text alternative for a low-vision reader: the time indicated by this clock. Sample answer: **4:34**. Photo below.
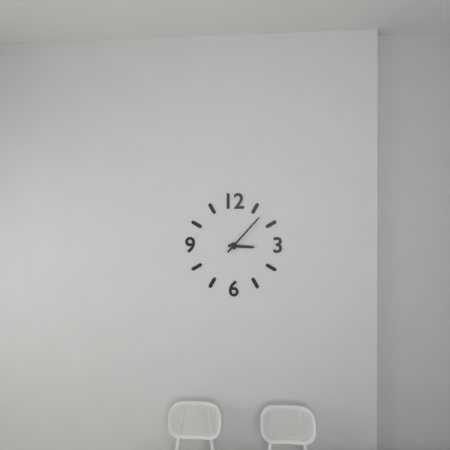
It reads **3:07**
